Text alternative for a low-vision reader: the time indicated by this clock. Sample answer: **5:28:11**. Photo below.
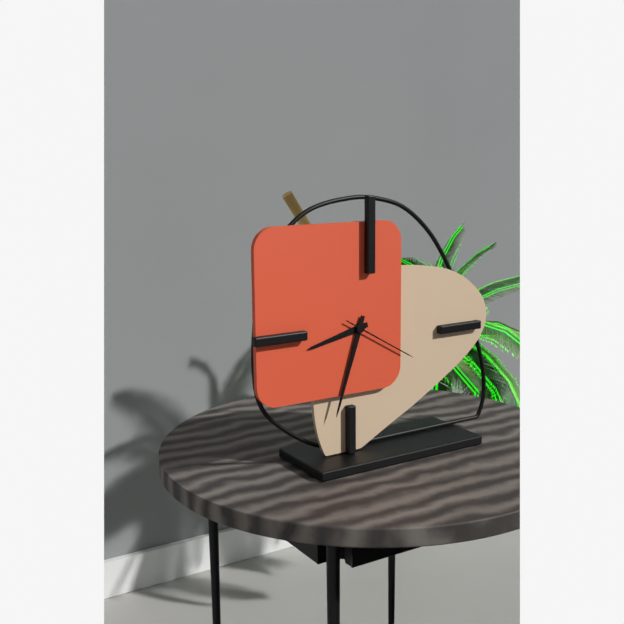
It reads **8:33:20**
